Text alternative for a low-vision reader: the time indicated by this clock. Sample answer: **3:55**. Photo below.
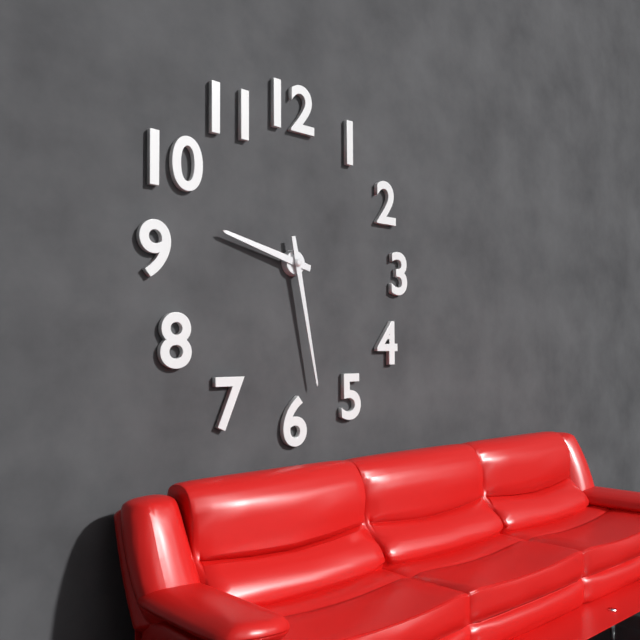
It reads **9:28**
